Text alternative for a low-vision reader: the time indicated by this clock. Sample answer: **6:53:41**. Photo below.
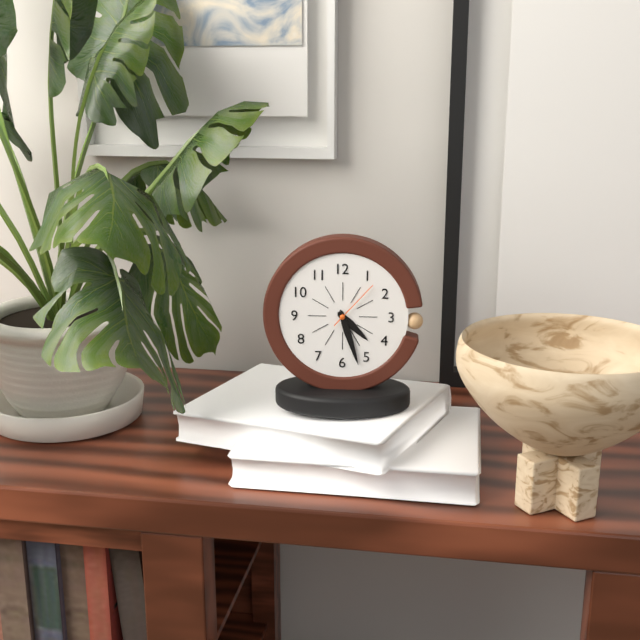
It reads **4:27:07**
